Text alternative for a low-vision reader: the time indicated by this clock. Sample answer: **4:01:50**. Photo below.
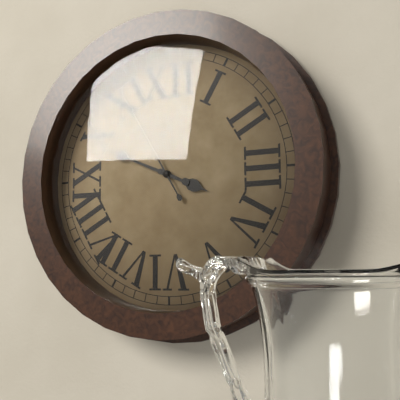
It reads **3:49:55**
